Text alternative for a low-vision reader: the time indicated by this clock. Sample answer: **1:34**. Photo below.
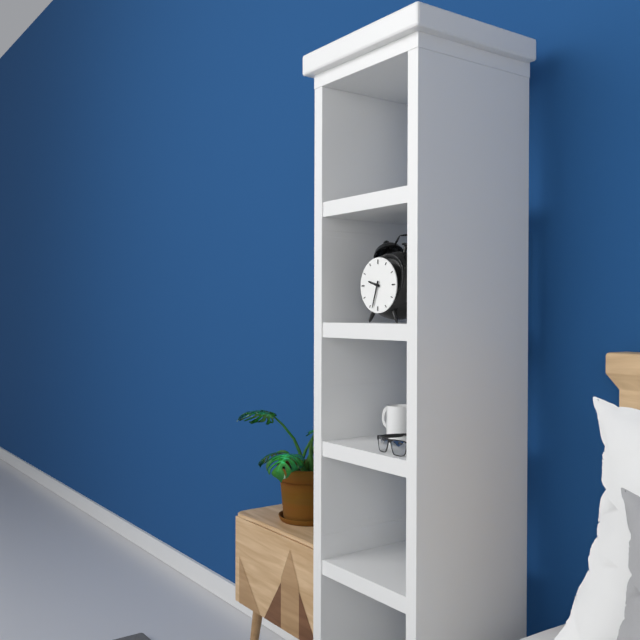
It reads **9:33**
